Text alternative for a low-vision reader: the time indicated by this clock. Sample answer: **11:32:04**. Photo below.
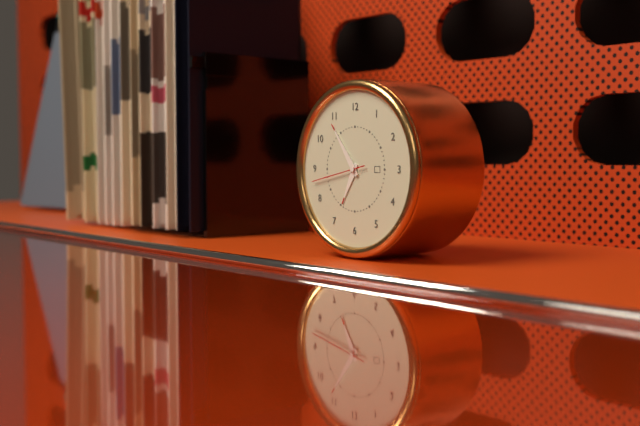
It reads **6:54:43**
